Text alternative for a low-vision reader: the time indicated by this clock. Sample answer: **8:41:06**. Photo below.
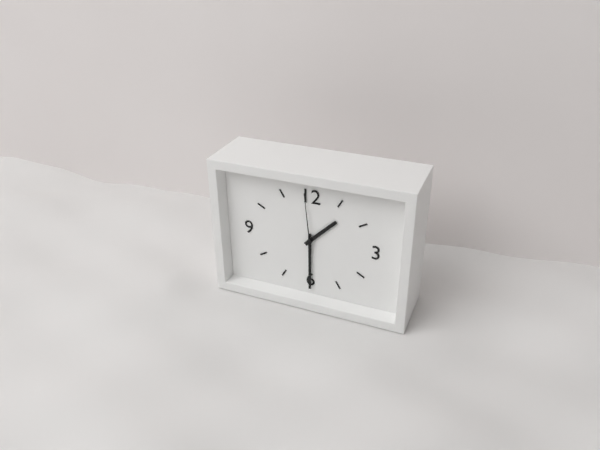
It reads **1:30:59**
